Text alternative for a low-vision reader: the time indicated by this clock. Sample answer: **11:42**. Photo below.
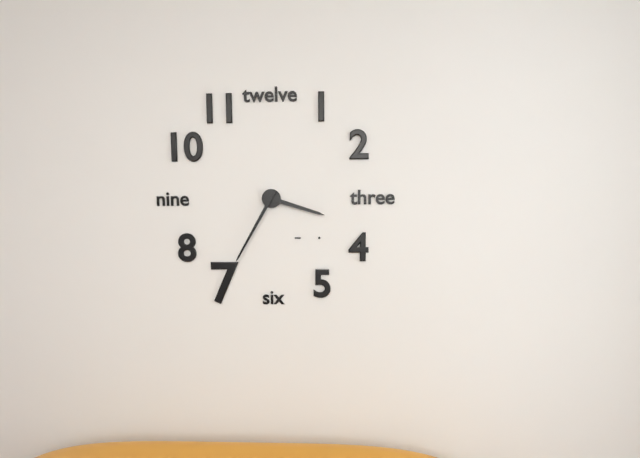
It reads **3:35**
